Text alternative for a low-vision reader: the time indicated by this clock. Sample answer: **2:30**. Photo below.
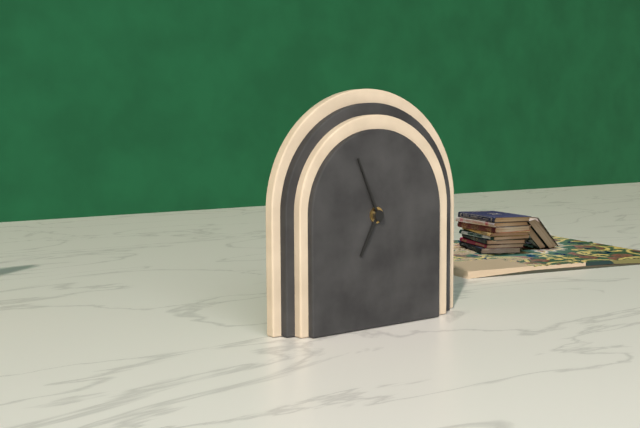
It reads **6:56**
